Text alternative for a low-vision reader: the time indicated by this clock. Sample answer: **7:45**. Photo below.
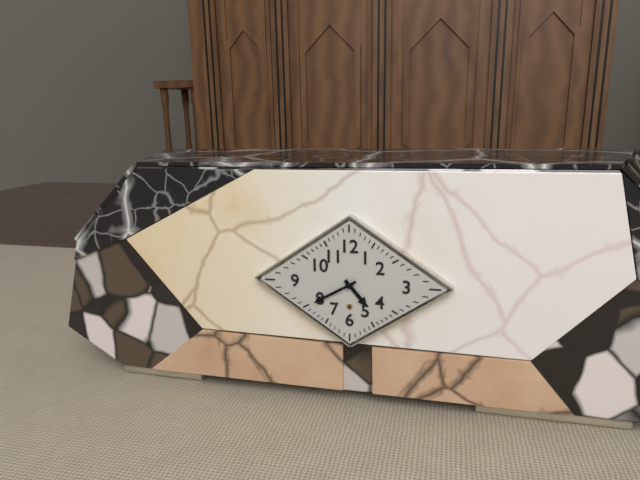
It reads **4:40**
